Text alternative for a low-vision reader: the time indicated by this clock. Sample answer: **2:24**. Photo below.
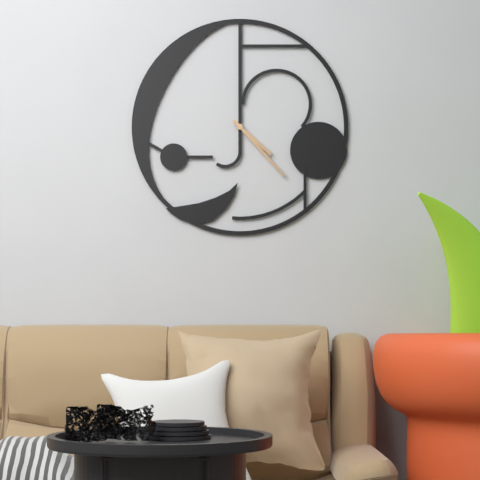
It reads **4:23**
